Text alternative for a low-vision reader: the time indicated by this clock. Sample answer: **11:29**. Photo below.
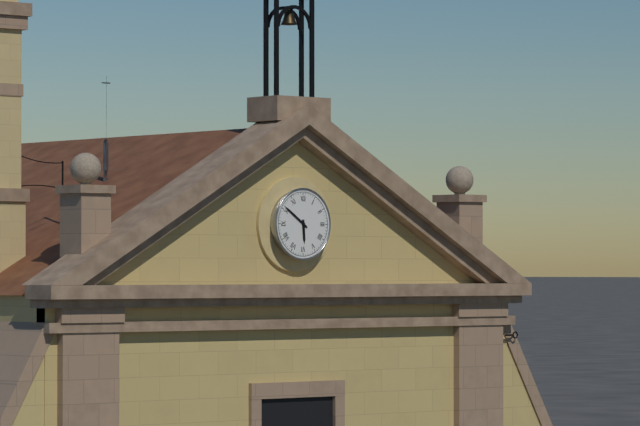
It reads **5:51**
